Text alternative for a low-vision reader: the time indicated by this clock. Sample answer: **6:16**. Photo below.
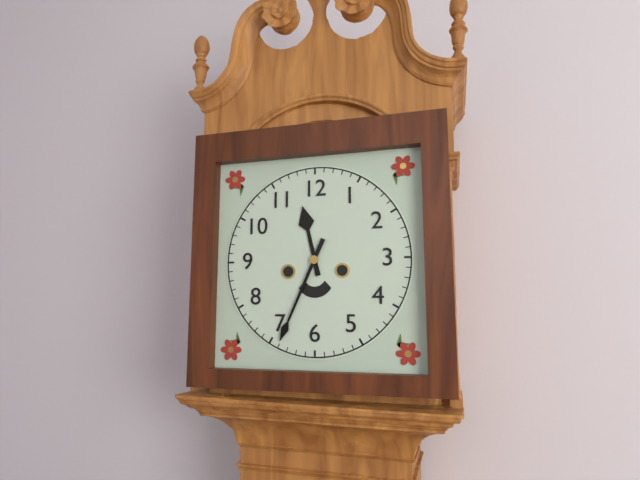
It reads **11:34**
